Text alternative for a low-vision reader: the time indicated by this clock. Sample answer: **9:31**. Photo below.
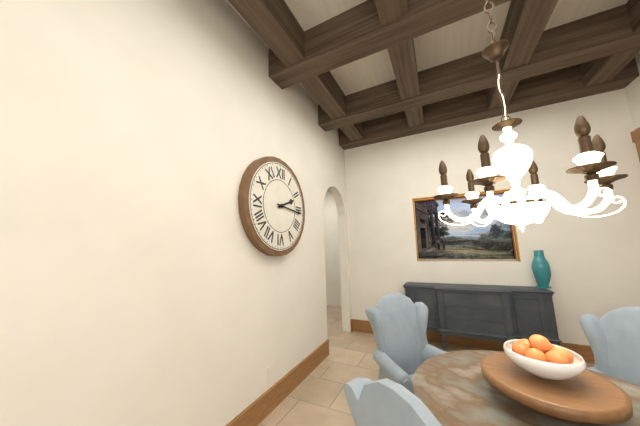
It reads **2:16**
